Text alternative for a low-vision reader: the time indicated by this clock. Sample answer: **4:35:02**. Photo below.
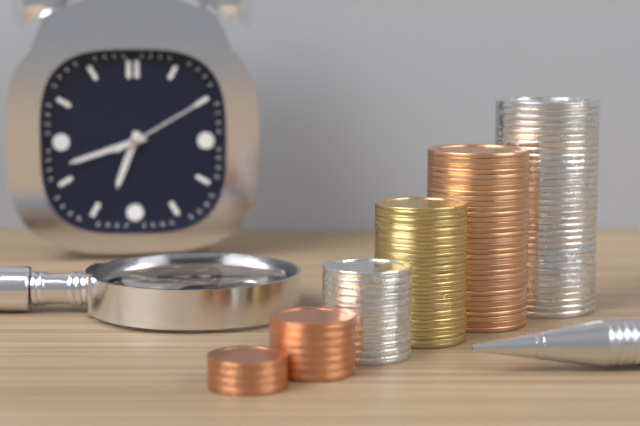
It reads **6:42:10**
